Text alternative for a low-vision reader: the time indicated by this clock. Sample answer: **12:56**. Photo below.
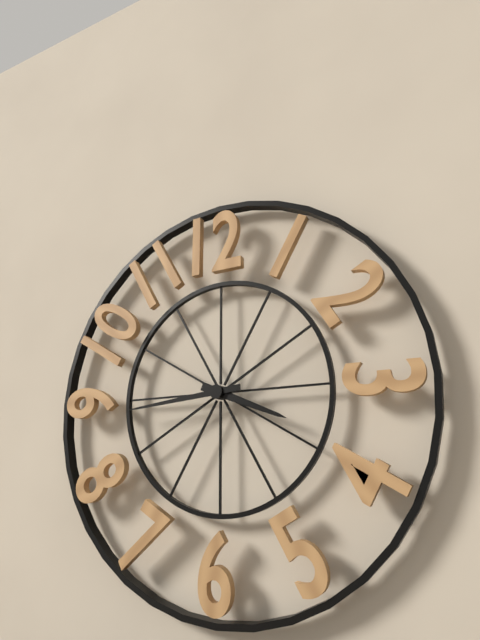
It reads **3:44**
